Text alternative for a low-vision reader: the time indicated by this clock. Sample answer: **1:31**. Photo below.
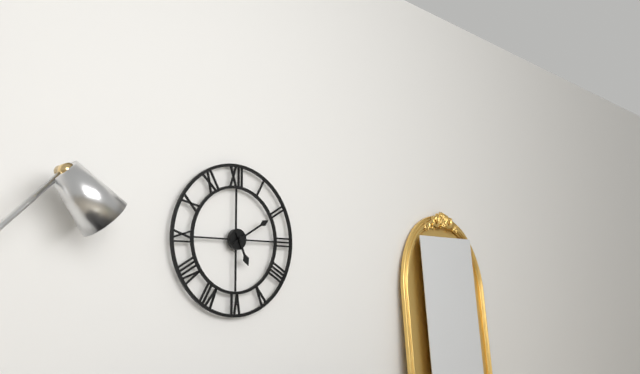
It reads **5:10**
